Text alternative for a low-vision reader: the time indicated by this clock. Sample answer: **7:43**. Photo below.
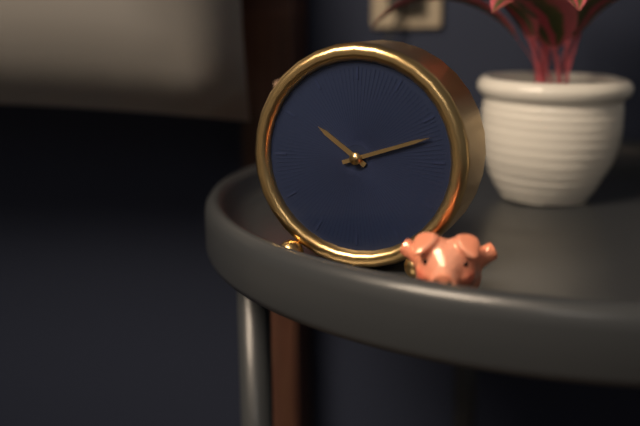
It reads **10:12**
